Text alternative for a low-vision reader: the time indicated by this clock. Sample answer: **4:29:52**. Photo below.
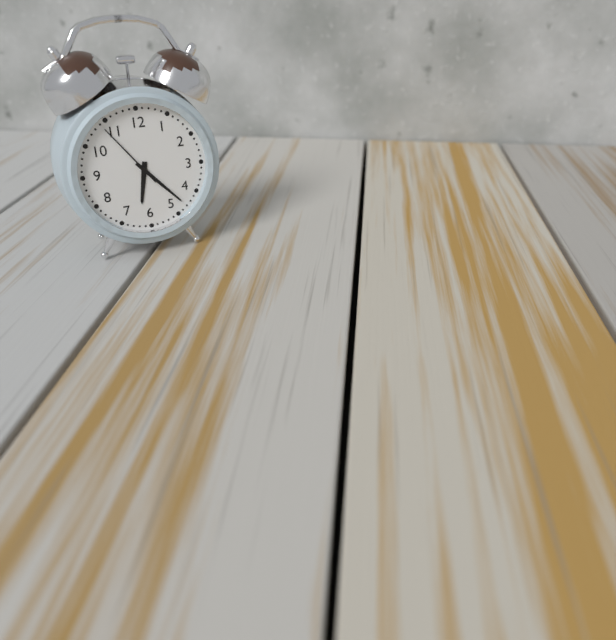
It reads **6:23:54**
